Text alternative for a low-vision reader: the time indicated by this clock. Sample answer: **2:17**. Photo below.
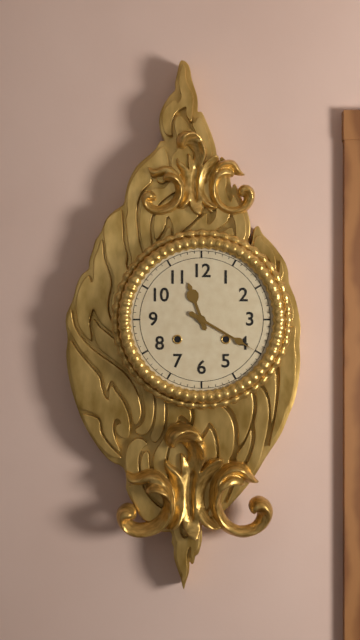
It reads **11:20**
